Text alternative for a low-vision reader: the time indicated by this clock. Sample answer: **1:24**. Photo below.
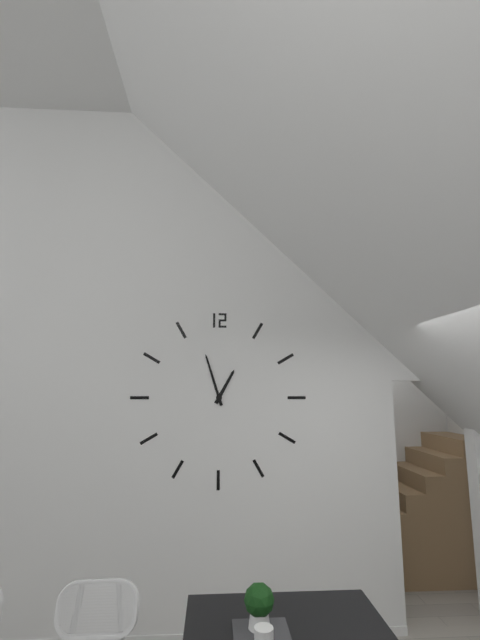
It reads **12:57**
